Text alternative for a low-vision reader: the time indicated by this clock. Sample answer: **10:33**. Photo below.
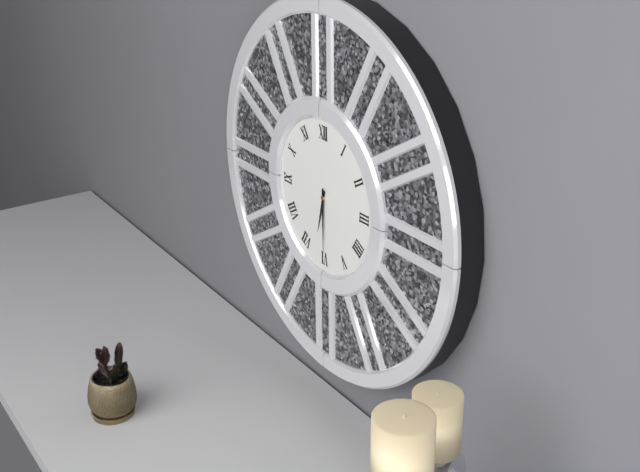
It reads **6:30**
